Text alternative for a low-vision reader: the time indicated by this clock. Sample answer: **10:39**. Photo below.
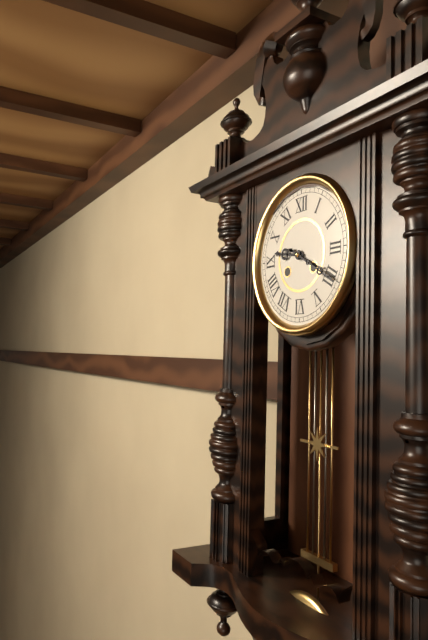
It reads **9:20**
